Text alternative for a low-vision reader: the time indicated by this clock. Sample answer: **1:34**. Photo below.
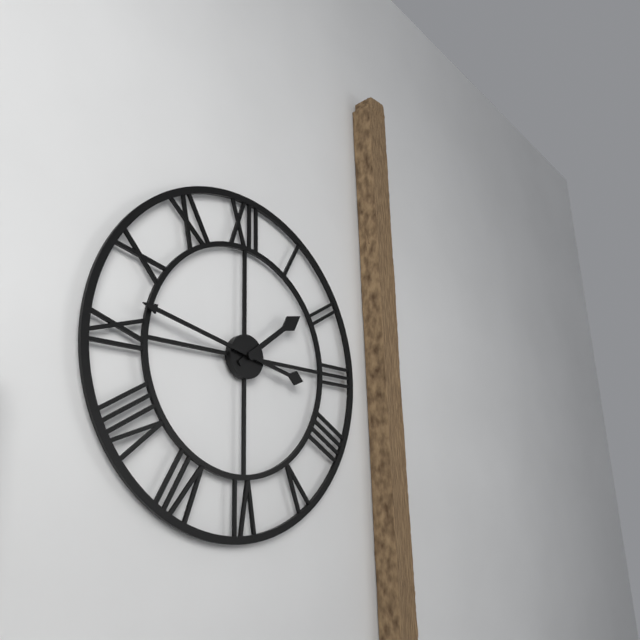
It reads **1:47**
